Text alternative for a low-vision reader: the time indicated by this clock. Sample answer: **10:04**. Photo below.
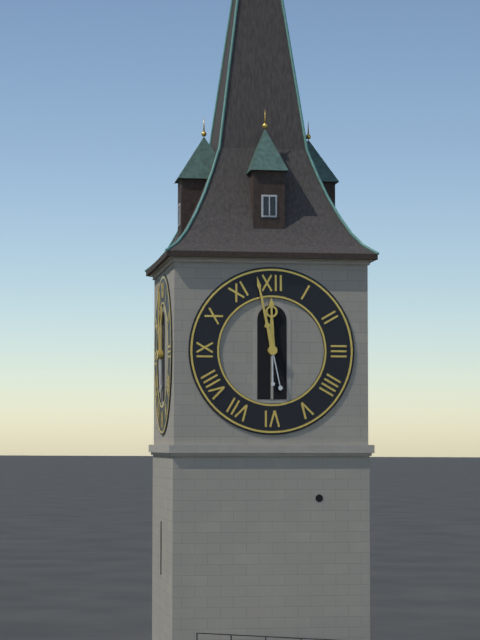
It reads **11:58**
